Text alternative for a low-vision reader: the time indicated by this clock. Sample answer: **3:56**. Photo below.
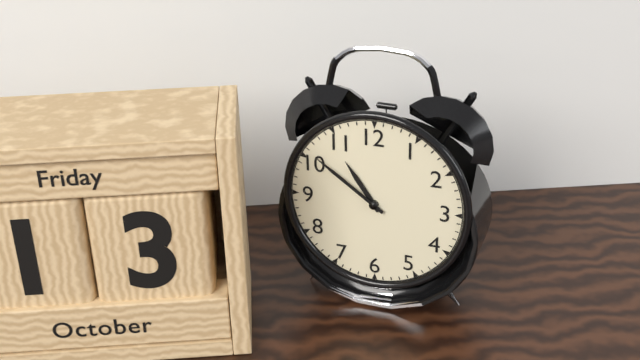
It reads **10:51**
